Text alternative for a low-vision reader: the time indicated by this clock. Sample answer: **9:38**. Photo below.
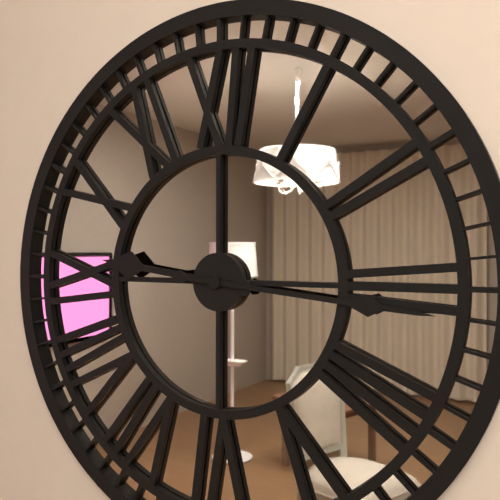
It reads **9:16**
